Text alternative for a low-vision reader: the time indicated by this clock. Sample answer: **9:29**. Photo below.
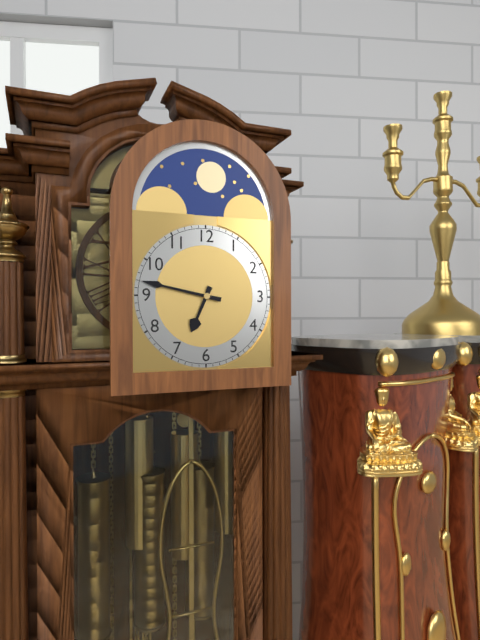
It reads **6:47**
